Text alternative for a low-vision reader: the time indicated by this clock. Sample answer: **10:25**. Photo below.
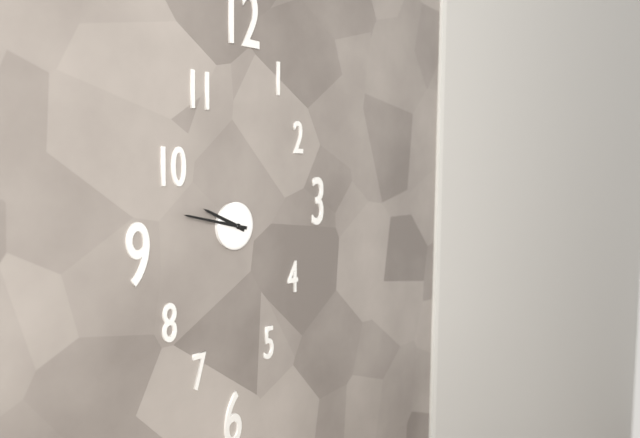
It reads **9:47**
